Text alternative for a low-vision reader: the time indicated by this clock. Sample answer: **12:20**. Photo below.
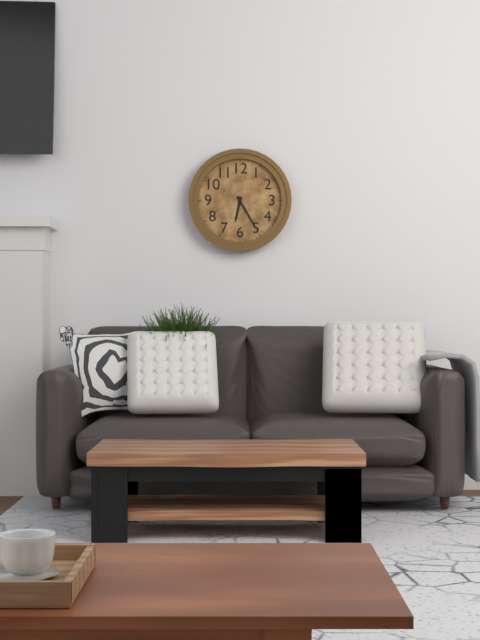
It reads **6:25**
